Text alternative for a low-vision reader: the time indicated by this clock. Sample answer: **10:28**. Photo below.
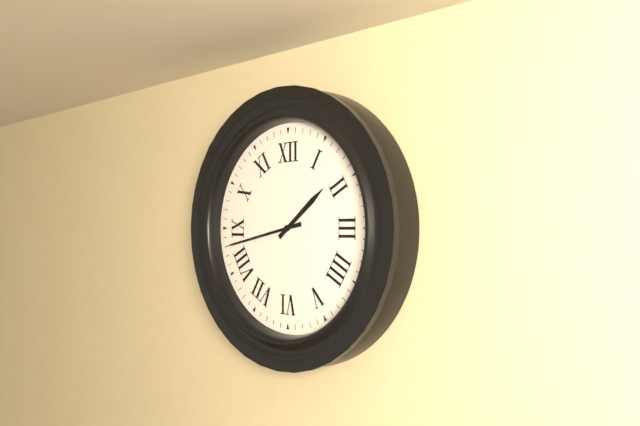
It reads **1:43**
